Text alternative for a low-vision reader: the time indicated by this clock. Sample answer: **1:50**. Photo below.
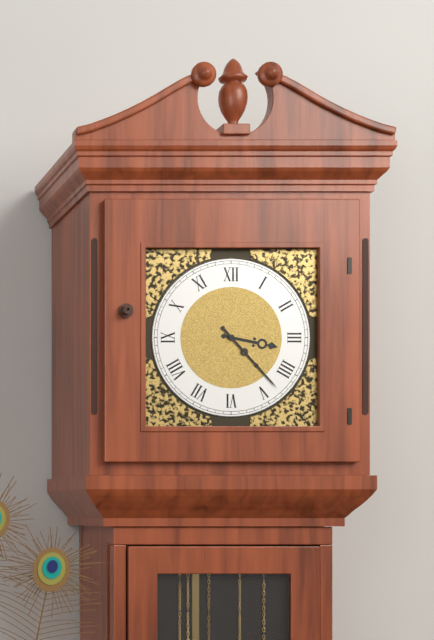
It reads **3:23**
